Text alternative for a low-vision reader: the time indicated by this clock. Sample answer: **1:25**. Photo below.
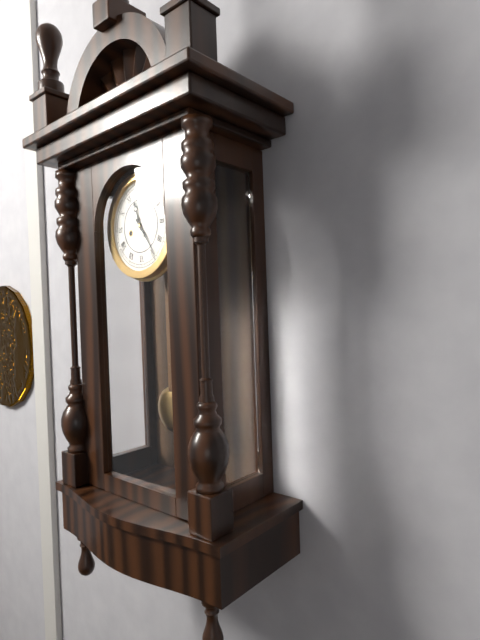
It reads **11:24**
